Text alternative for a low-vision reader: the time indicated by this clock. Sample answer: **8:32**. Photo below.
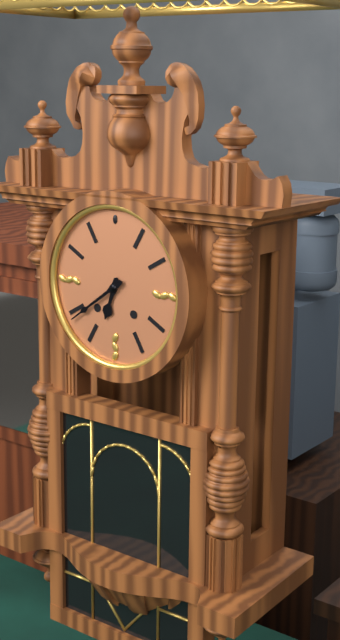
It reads **6:39**
